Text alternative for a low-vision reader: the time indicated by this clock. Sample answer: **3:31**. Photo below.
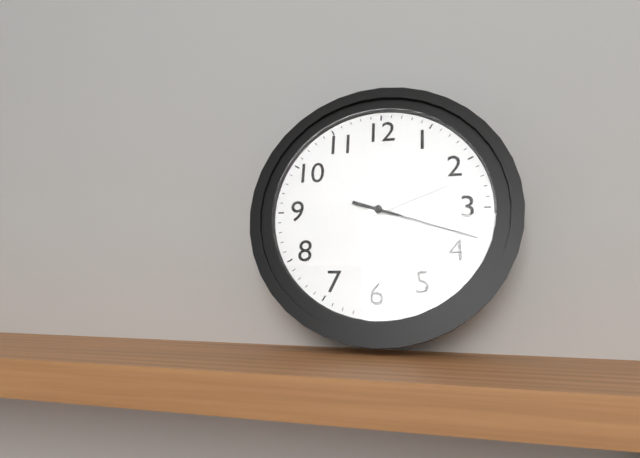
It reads **2:18**
